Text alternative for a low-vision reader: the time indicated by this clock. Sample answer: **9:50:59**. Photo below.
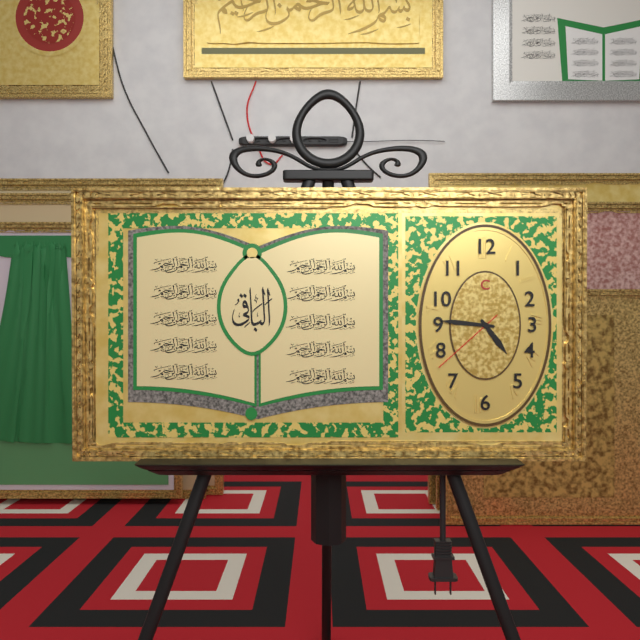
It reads **4:46:38**
